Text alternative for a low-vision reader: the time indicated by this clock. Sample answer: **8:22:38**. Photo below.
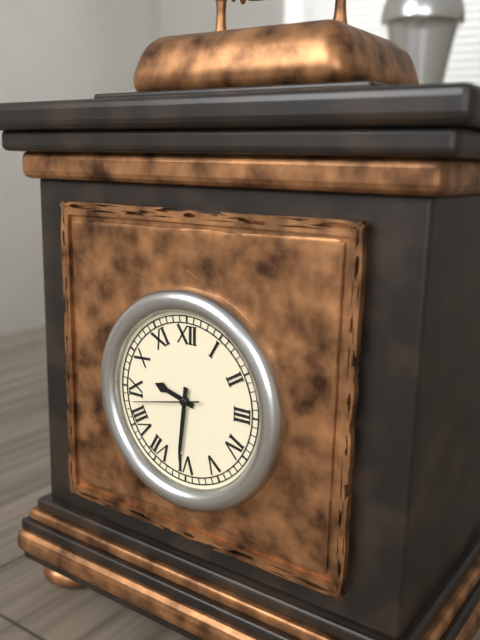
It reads **9:31:43**
